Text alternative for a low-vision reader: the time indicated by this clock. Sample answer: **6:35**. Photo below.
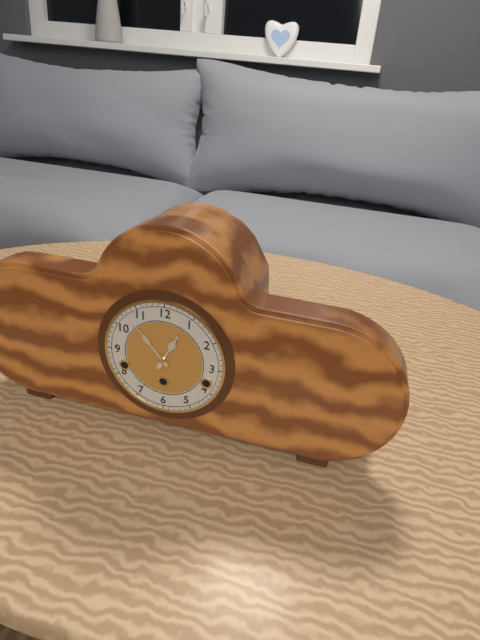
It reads **12:53**
